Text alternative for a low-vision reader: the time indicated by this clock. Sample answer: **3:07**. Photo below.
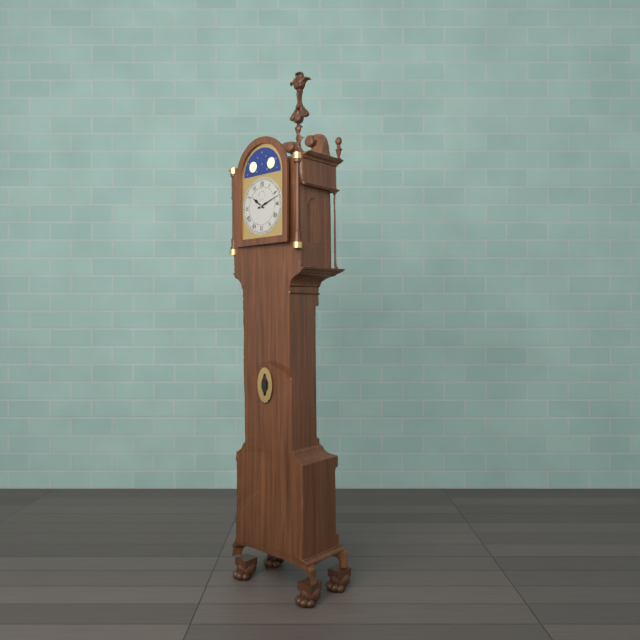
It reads **10:12**
